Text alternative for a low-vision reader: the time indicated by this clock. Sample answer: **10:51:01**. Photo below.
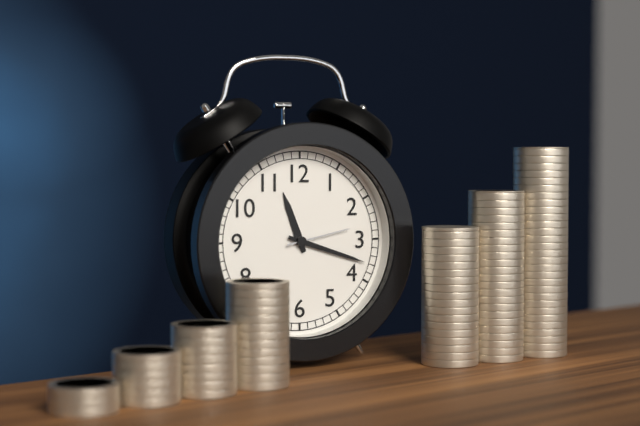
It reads **11:18:13**
